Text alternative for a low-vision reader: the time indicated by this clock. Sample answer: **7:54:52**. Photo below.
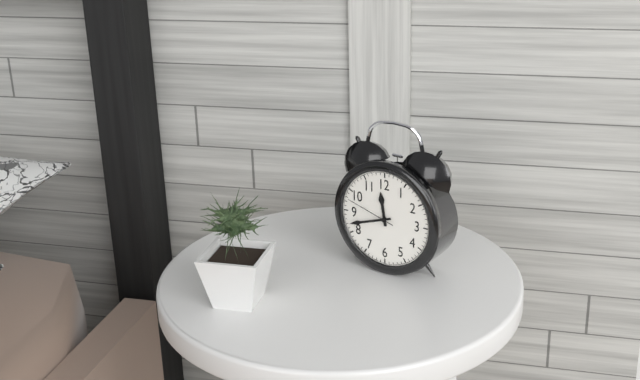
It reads **11:42:48**
